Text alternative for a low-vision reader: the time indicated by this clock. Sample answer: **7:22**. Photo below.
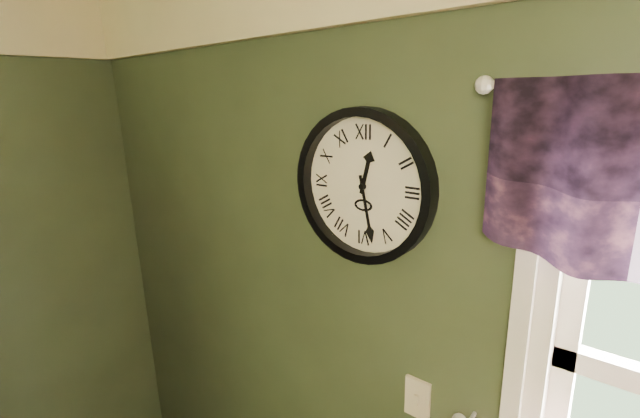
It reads **12:28**
